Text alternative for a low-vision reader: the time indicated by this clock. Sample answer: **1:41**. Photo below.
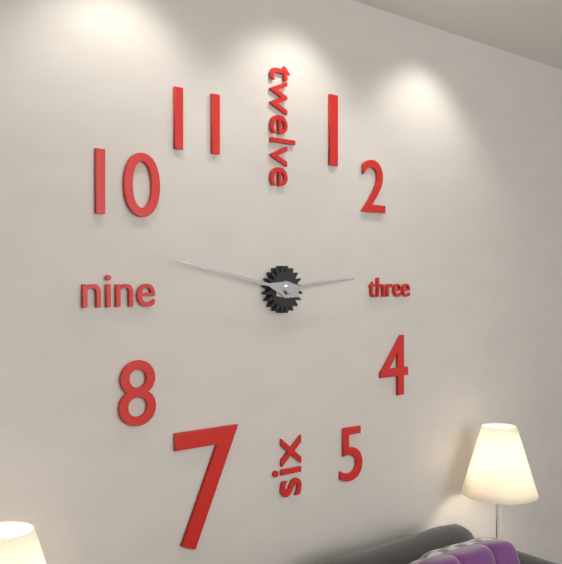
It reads **2:47**
